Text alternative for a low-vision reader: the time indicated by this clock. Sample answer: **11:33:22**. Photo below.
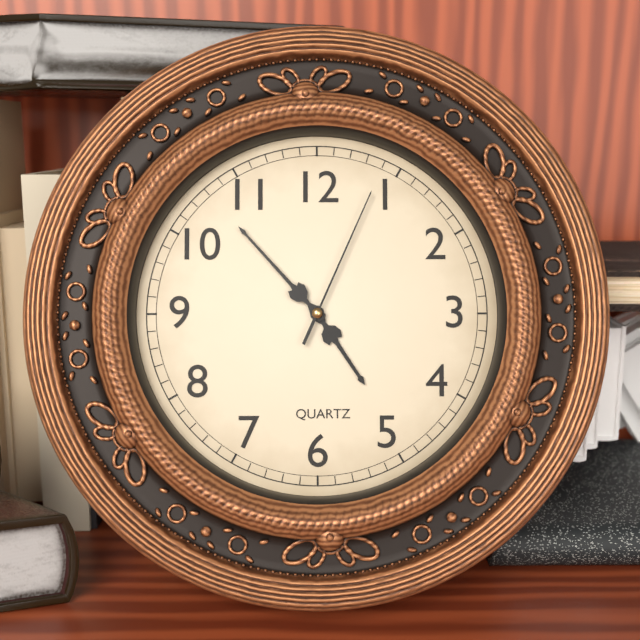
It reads **4:53:04**
